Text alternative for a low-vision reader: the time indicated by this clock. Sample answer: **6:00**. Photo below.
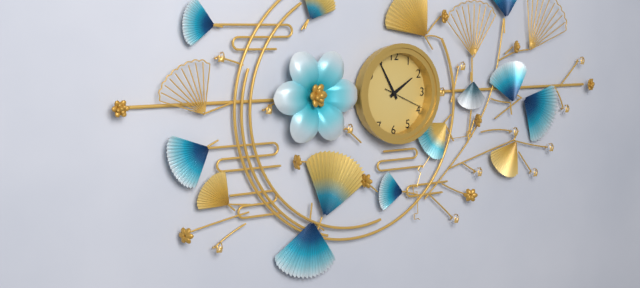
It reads **1:55**
